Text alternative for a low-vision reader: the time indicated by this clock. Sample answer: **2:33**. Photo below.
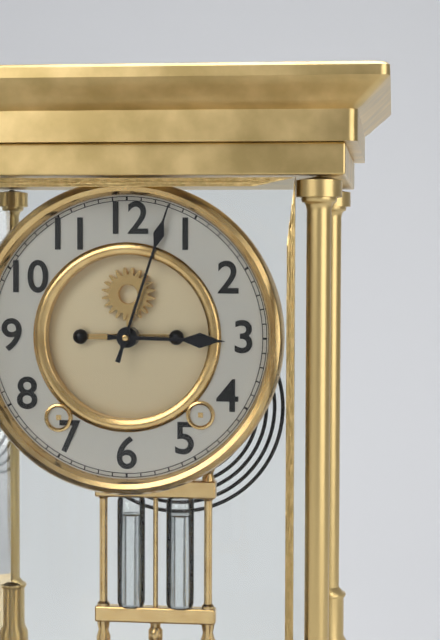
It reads **3:03**
